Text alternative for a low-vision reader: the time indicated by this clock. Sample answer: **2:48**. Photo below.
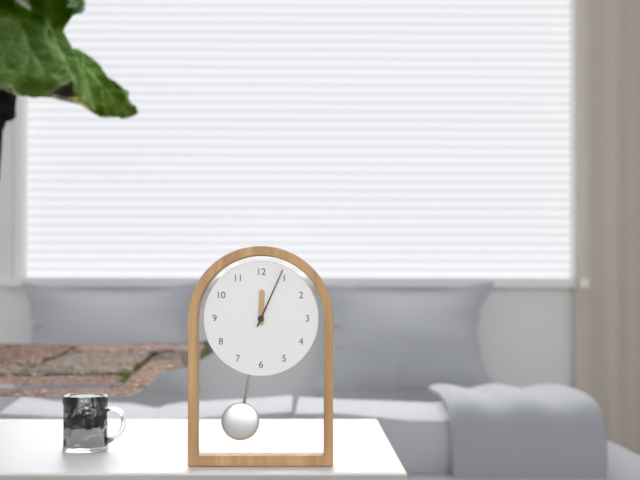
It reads **12:04**
